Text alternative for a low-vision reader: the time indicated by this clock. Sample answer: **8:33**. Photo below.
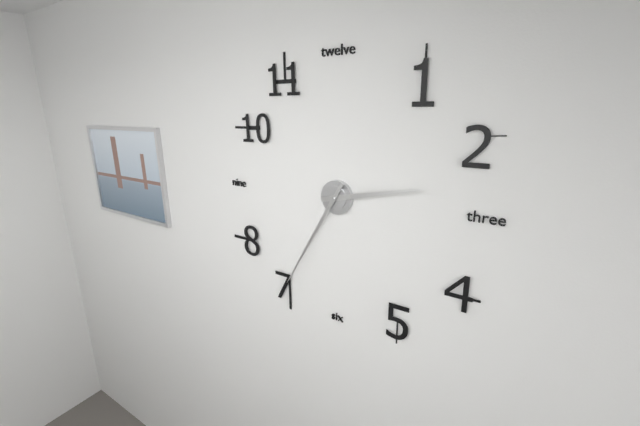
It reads **2:35**
